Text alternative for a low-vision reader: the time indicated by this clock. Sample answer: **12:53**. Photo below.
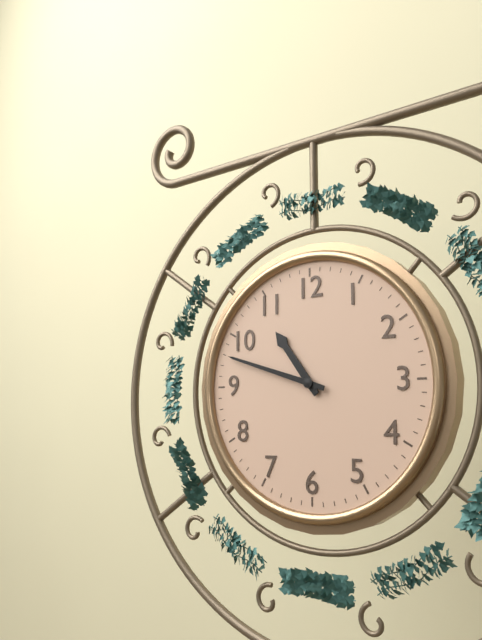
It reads **10:48**
